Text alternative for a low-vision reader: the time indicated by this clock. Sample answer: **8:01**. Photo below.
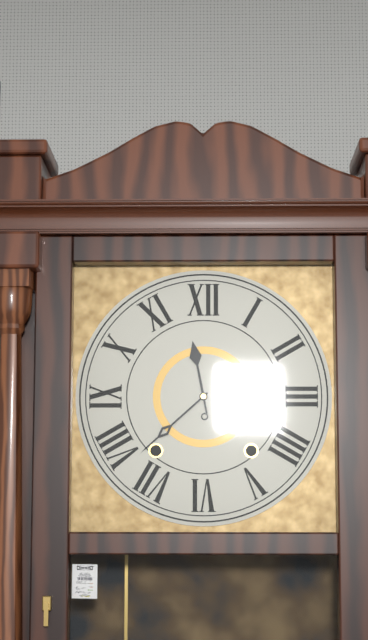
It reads **11:38**
